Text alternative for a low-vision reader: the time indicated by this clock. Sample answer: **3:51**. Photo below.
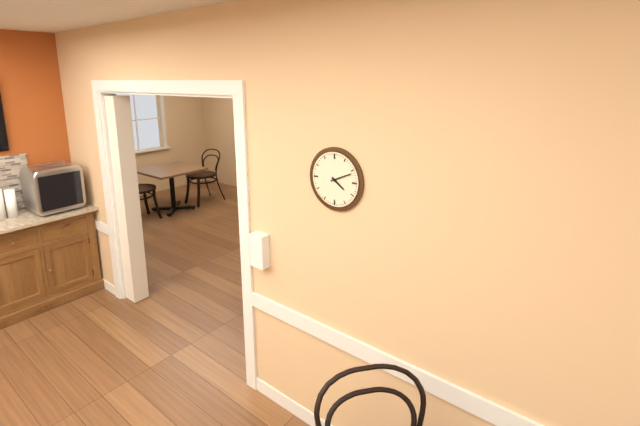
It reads **4:11**
